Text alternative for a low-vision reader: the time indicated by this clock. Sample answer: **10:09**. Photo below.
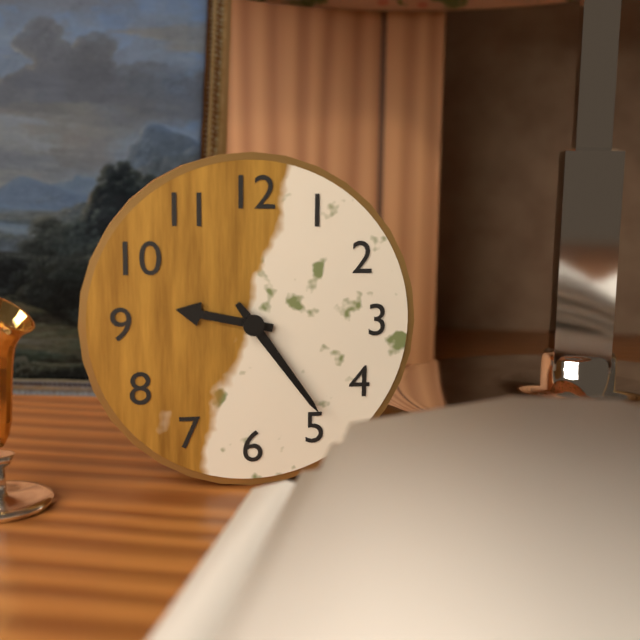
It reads **9:24**
